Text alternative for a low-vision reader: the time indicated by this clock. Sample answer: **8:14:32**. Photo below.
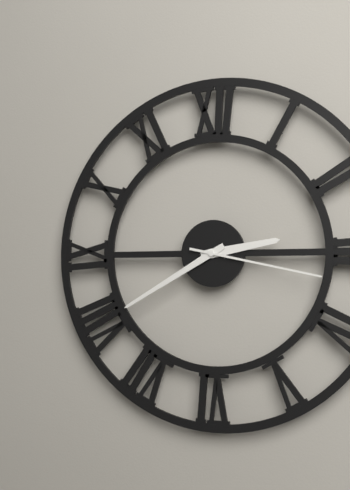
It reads **2:40:17**
